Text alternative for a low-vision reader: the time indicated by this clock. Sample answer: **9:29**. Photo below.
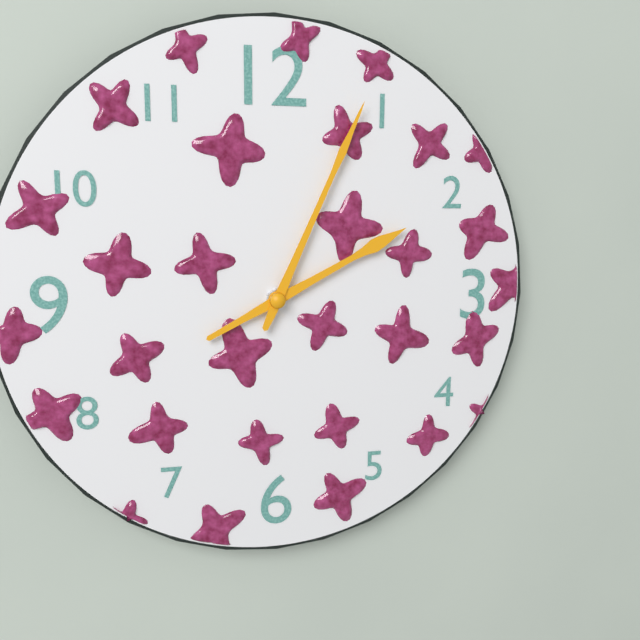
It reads **2:04**
